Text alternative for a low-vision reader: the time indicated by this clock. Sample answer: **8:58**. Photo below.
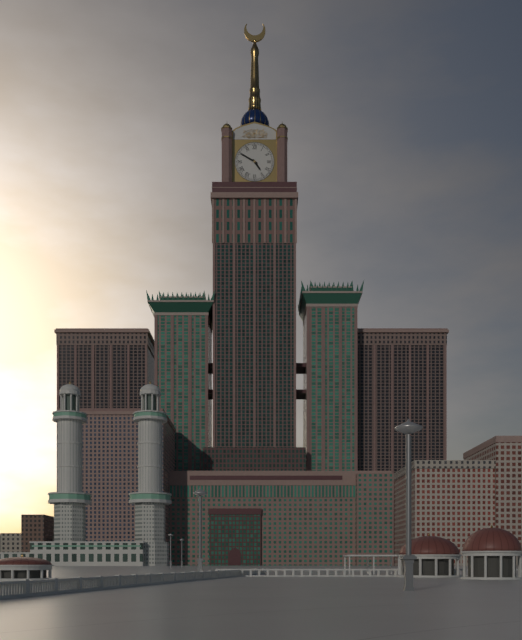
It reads **4:50**
